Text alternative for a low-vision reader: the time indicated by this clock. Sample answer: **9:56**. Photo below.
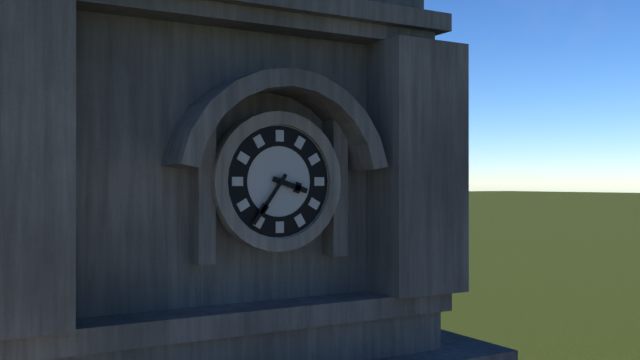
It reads **3:36**
